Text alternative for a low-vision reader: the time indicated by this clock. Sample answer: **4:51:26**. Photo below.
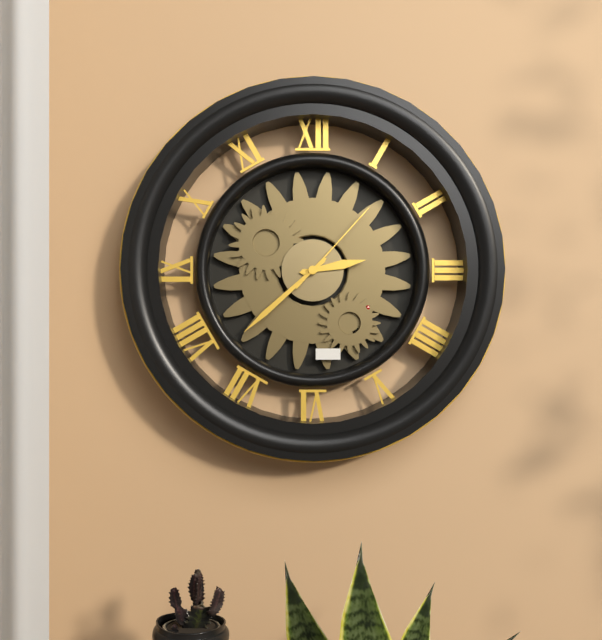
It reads **2:38:07**
